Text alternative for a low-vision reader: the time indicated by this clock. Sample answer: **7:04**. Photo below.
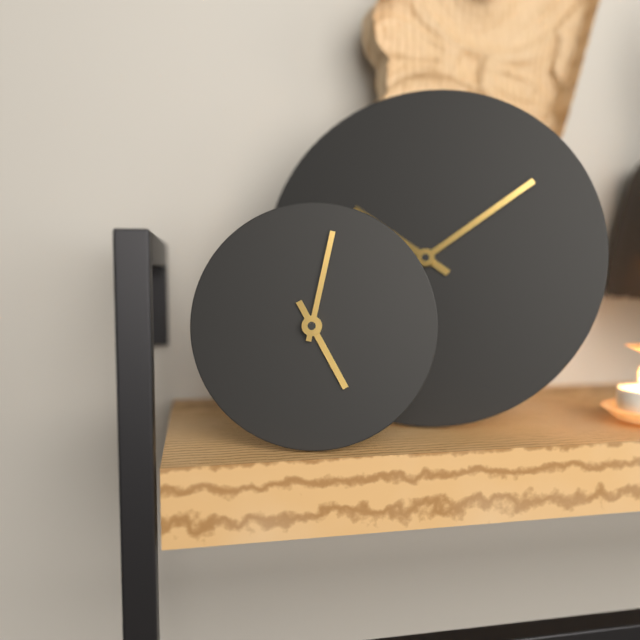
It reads **5:02**
